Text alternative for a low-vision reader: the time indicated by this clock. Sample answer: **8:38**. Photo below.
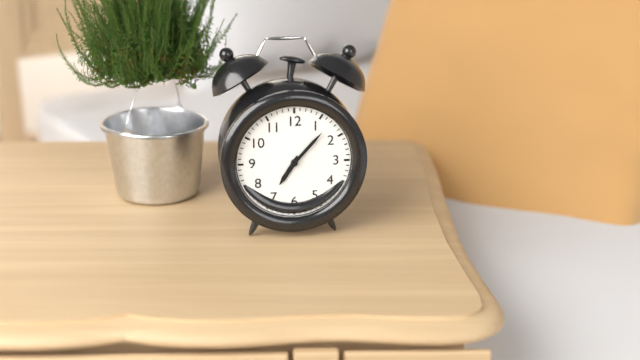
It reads **7:07**
